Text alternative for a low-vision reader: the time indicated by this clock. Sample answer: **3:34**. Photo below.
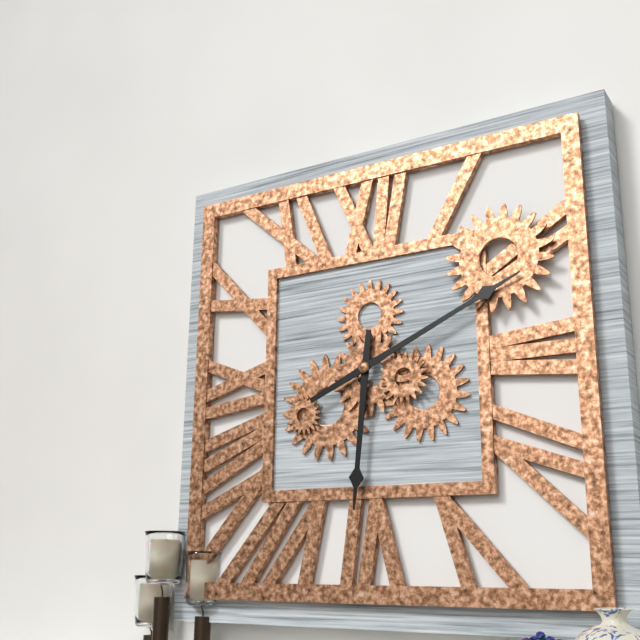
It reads **6:11**
